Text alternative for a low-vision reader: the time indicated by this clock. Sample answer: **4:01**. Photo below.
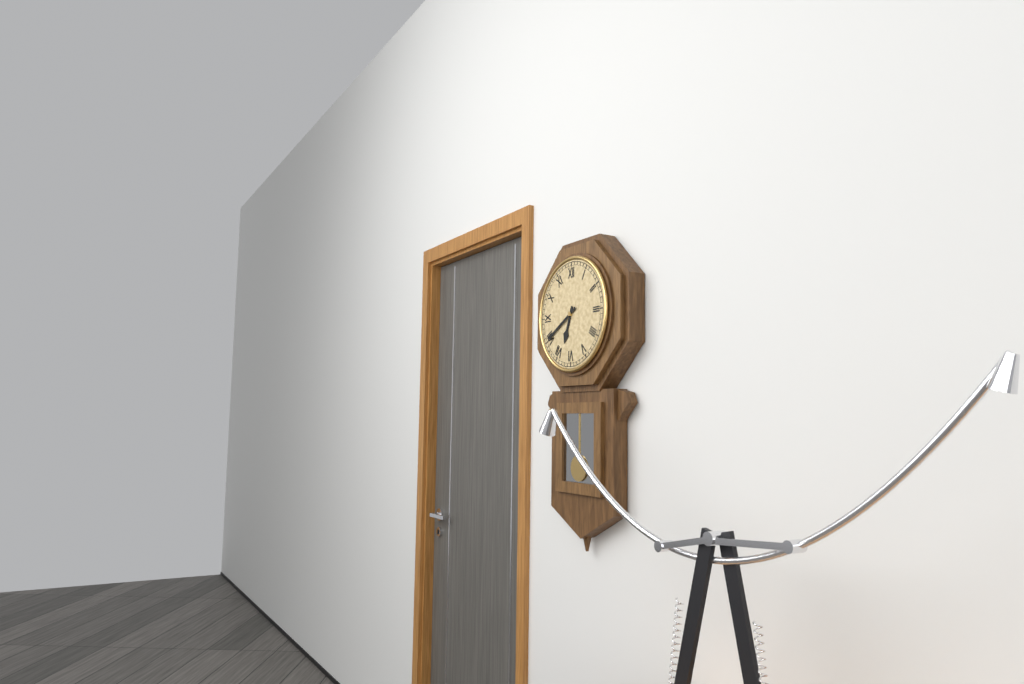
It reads **6:40**
